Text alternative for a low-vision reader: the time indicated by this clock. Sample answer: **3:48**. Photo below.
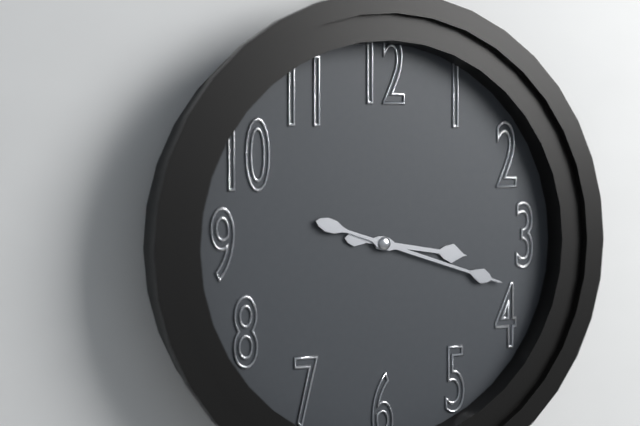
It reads **3:18**
